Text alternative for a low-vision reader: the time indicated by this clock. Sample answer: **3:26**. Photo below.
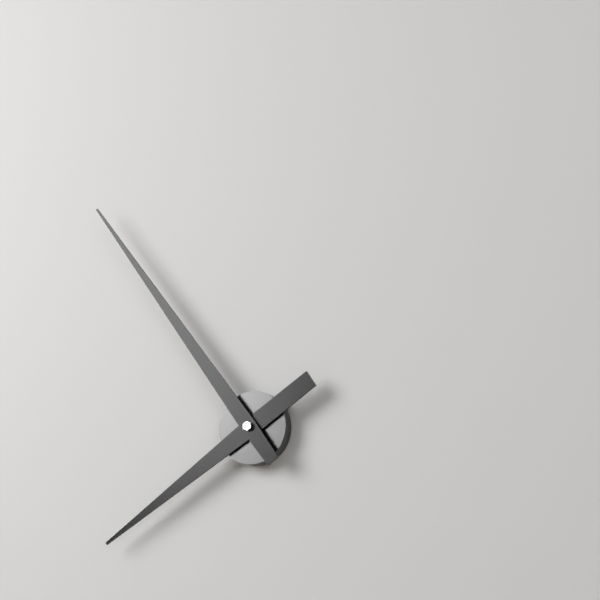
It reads **7:54**
